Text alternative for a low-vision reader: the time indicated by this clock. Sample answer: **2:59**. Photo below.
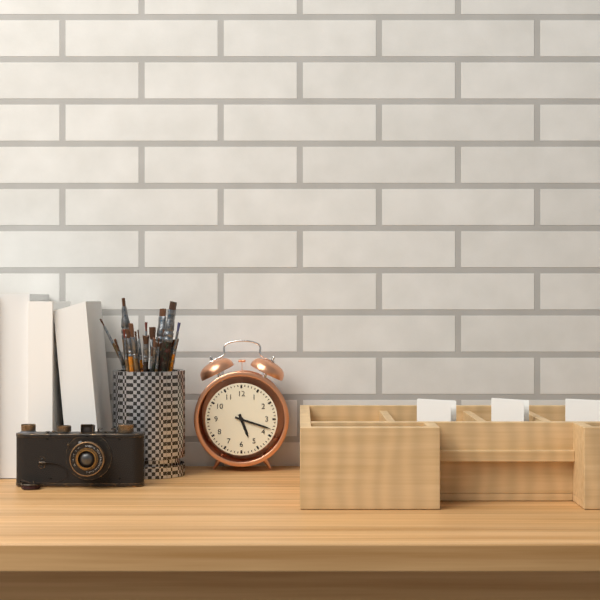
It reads **5:18**
